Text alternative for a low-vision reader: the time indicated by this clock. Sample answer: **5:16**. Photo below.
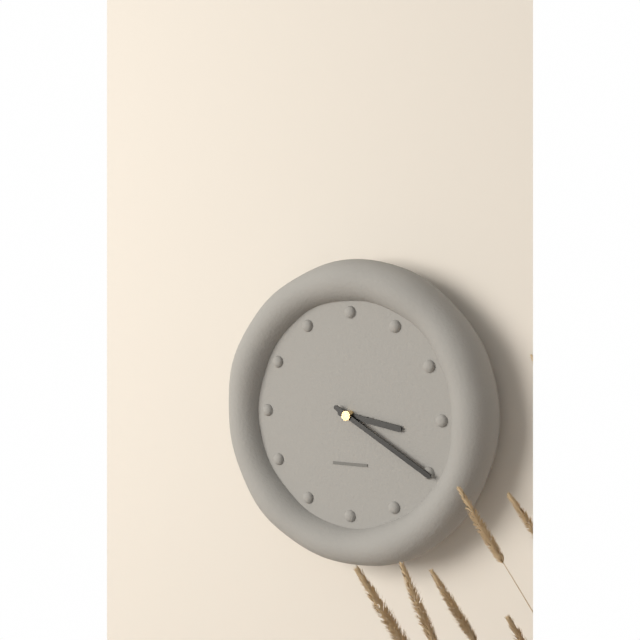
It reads **3:20**
